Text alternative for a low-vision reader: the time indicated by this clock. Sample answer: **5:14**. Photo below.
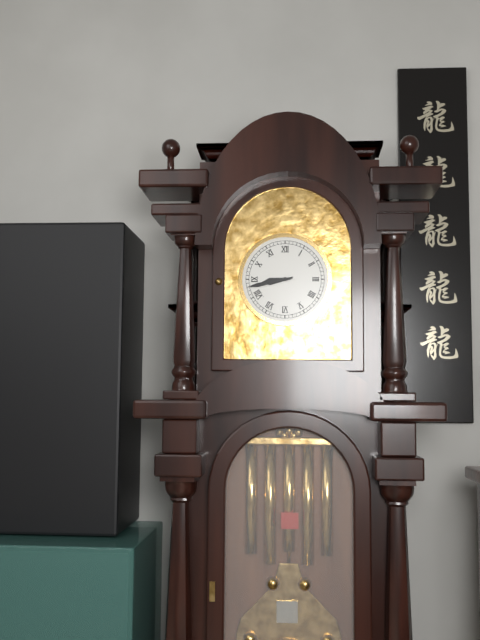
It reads **8:43**
